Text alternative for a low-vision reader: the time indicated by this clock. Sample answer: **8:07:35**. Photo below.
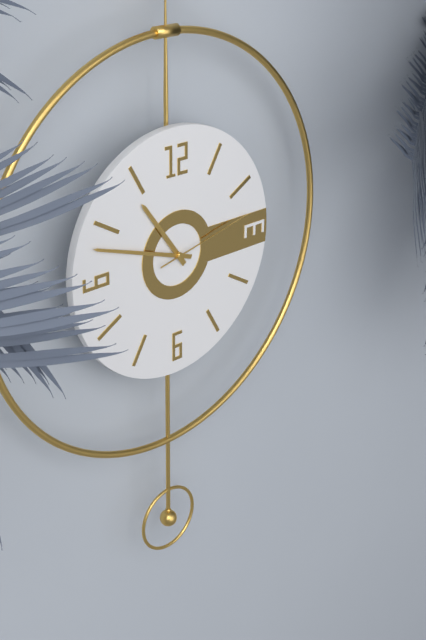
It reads **10:48:13**
